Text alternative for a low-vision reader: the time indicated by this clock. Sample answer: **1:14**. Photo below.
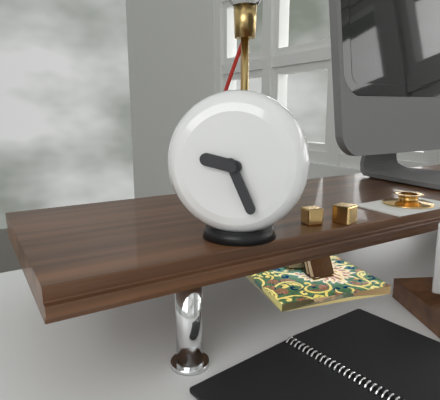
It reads **9:26**
